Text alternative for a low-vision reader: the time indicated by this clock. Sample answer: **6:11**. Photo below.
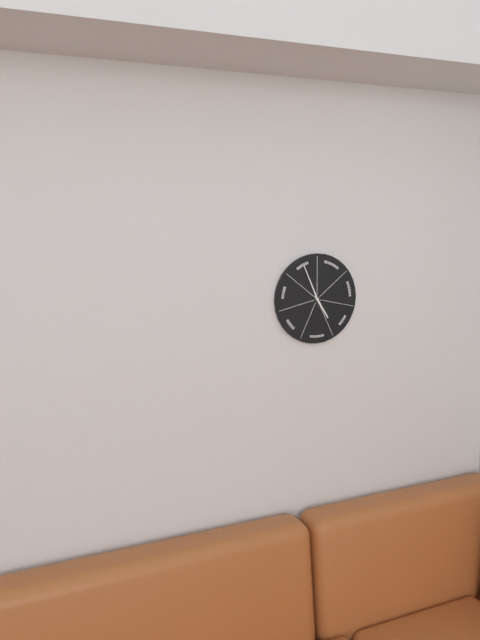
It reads **4:56**
